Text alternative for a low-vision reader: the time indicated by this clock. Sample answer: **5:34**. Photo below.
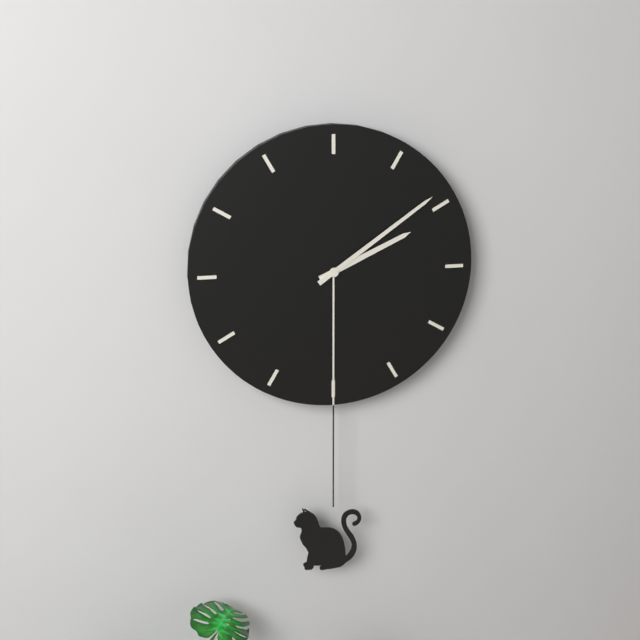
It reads **2:09**
